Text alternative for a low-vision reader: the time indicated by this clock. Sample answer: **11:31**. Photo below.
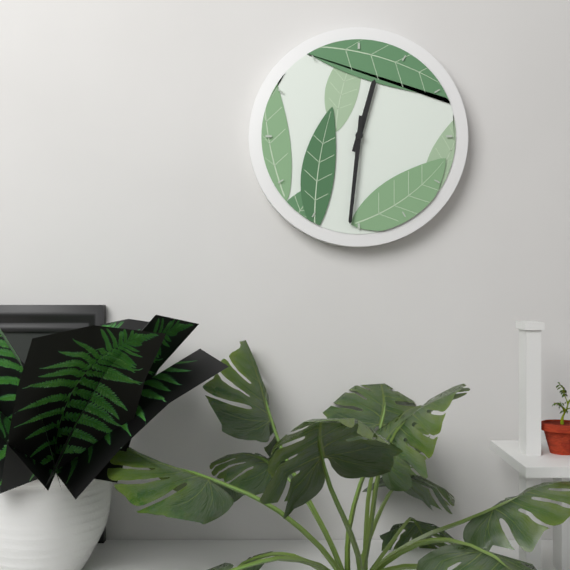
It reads **12:31**
